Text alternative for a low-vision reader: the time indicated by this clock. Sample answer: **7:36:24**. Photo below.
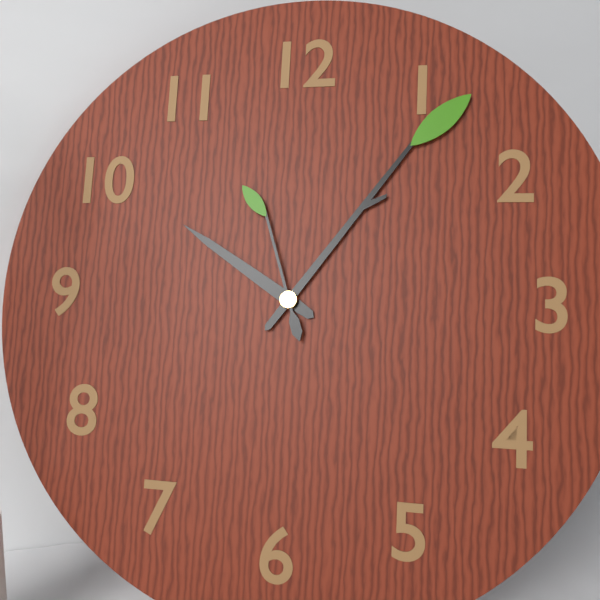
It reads **10:06:57**
